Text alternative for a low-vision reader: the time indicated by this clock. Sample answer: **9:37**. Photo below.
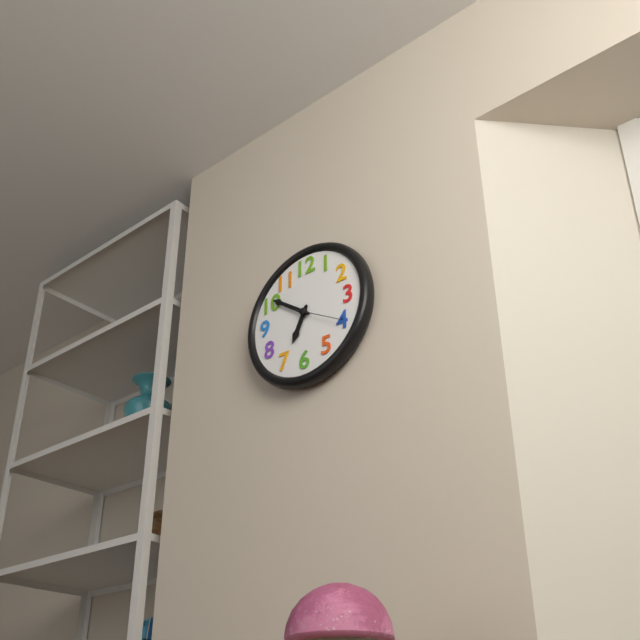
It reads **6:51**
